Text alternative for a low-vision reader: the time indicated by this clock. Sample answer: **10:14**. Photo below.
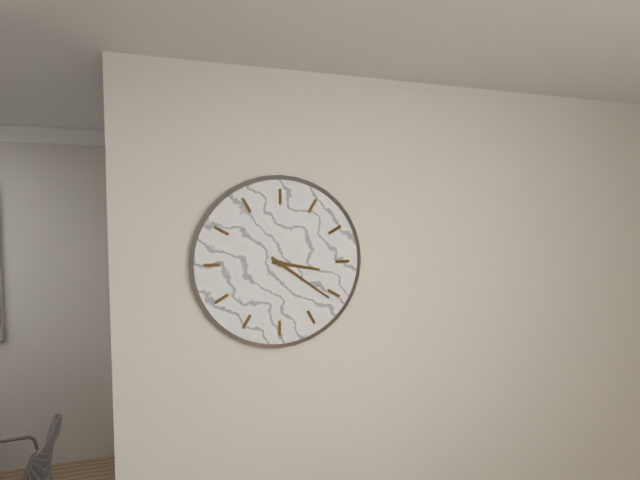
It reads **3:21**
